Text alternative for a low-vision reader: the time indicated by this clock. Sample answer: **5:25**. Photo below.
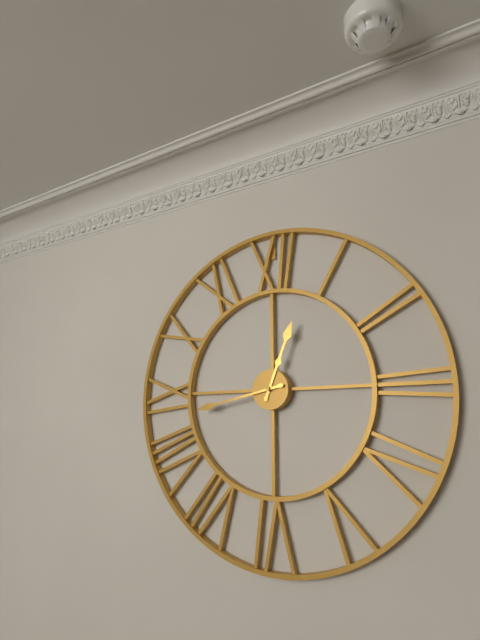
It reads **12:43**
